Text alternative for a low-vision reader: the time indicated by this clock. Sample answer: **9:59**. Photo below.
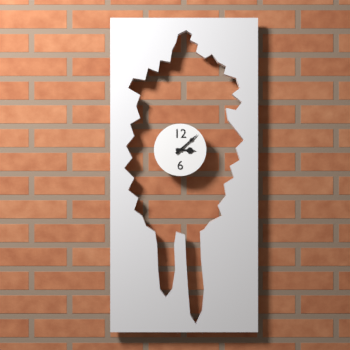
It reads **3:08**
